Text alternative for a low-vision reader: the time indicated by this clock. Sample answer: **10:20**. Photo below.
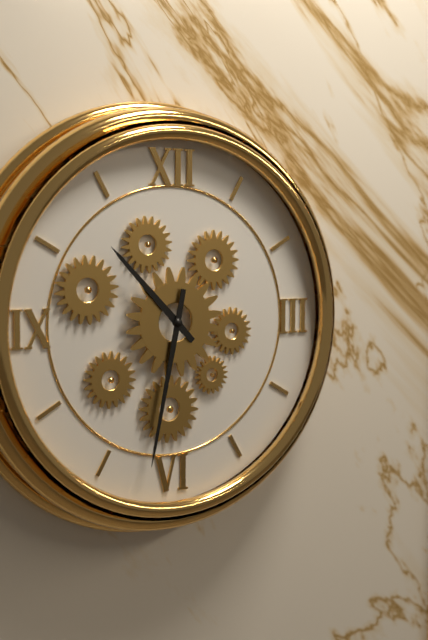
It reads **10:32**
